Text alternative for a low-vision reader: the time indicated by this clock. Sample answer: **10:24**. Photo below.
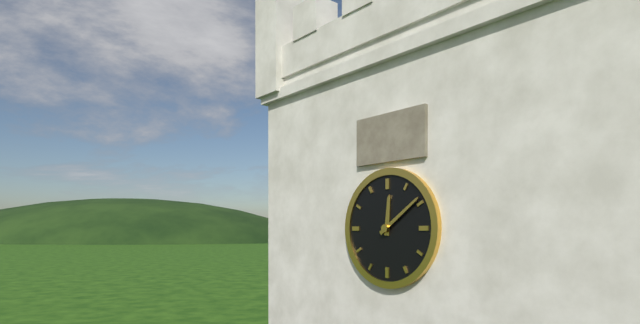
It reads **12:09**
